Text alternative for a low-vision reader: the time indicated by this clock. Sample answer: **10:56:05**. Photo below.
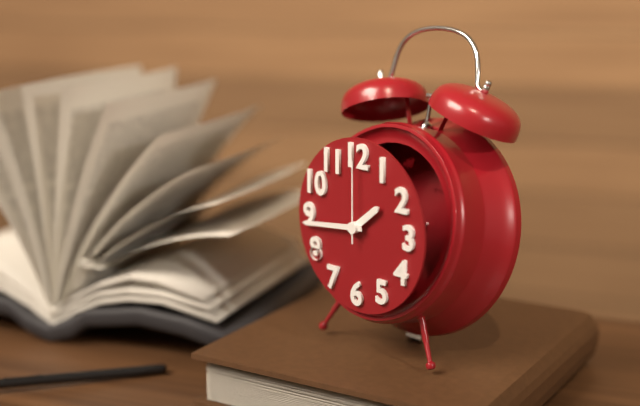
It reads **1:44:00**
